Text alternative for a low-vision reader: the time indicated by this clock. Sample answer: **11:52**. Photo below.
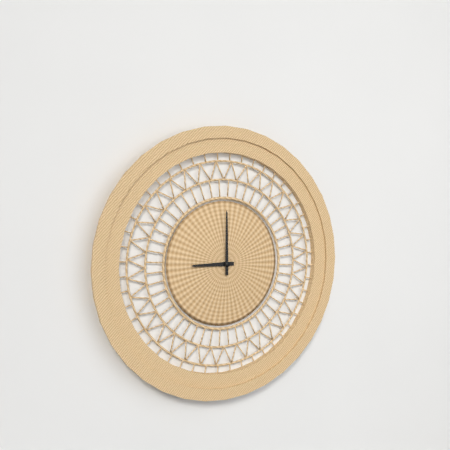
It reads **9:00**
